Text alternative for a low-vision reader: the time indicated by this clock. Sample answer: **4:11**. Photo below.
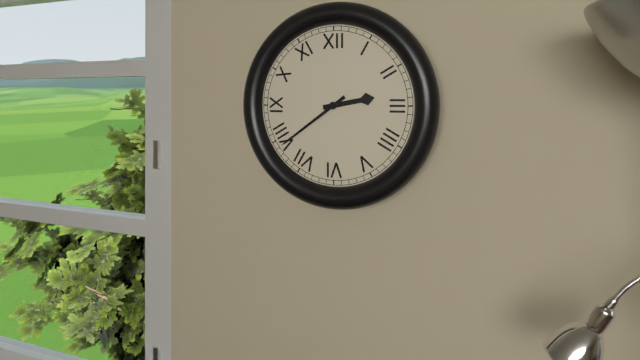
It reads **2:39**
